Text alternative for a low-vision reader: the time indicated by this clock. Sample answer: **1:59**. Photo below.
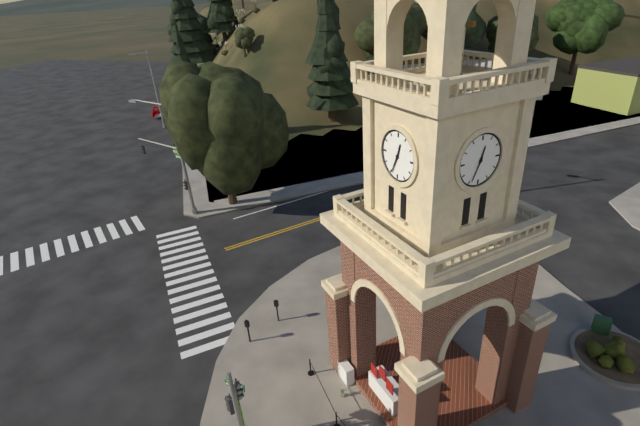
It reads **12:34**
